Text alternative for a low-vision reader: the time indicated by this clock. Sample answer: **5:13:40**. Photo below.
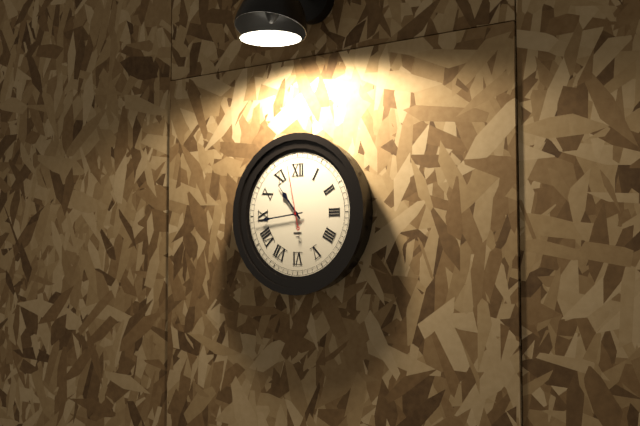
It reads **10:44:58**
